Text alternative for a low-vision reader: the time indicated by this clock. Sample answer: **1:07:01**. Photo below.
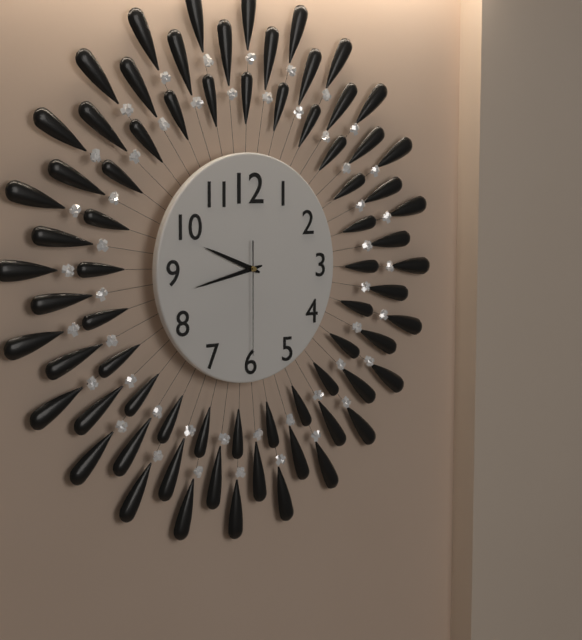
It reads **9:43:30**
